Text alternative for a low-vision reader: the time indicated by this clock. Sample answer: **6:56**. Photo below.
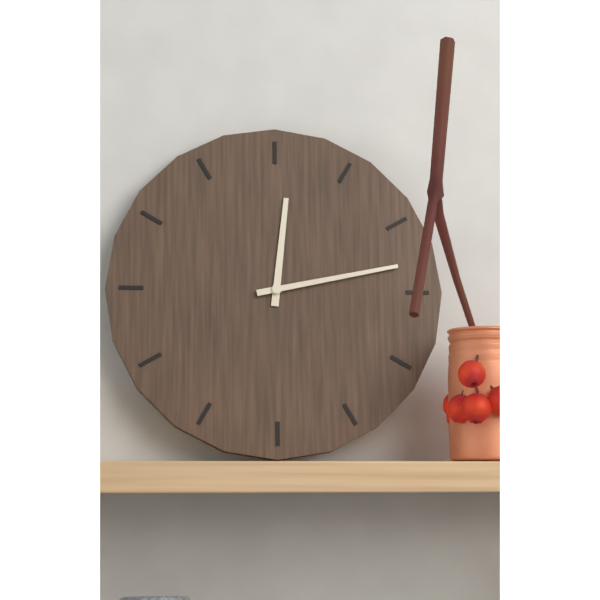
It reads **12:13**
